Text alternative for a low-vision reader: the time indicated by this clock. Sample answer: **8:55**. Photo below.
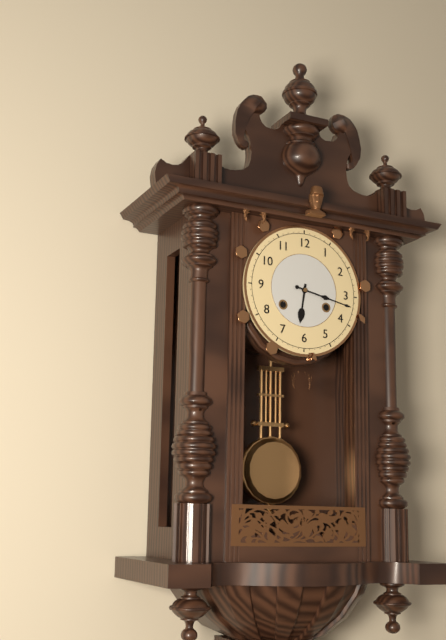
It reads **6:17**
